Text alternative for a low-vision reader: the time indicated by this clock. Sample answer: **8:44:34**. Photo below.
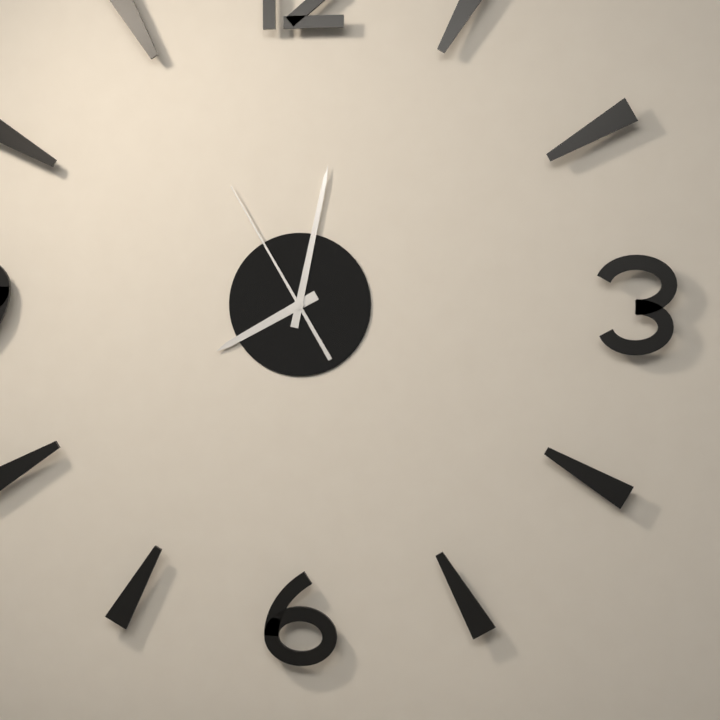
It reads **8:02:55**
